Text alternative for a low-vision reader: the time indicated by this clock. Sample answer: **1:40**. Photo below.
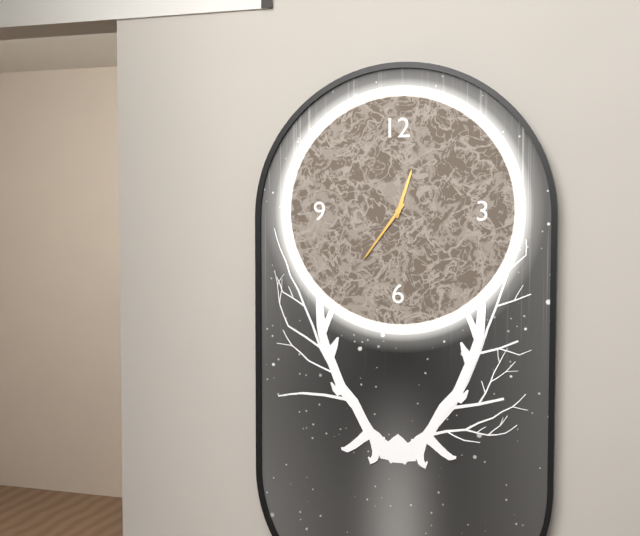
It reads **12:36**
